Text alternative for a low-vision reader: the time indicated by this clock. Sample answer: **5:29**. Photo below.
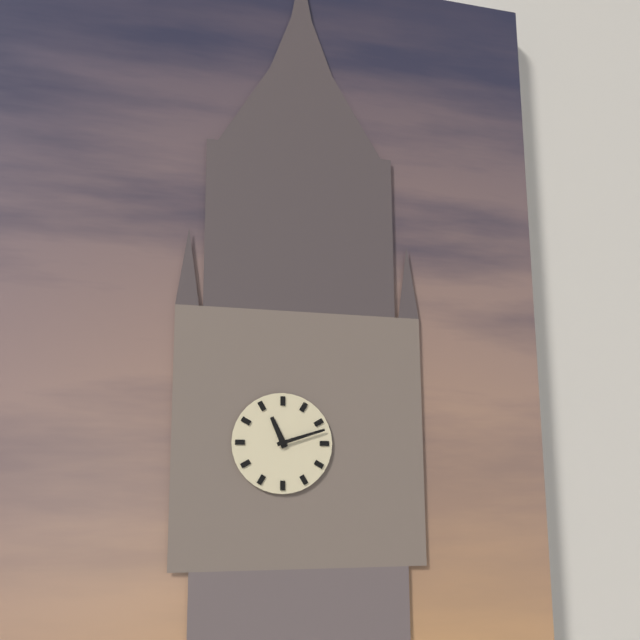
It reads **11:12**
